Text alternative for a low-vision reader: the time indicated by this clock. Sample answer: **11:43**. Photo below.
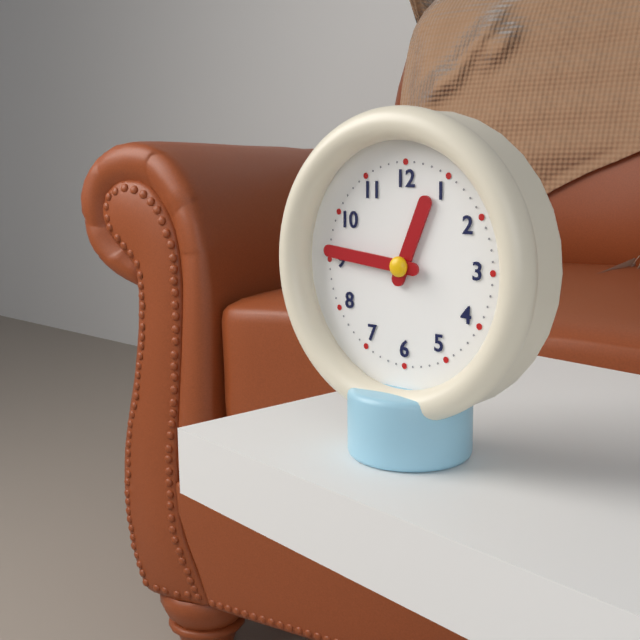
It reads **12:46**
